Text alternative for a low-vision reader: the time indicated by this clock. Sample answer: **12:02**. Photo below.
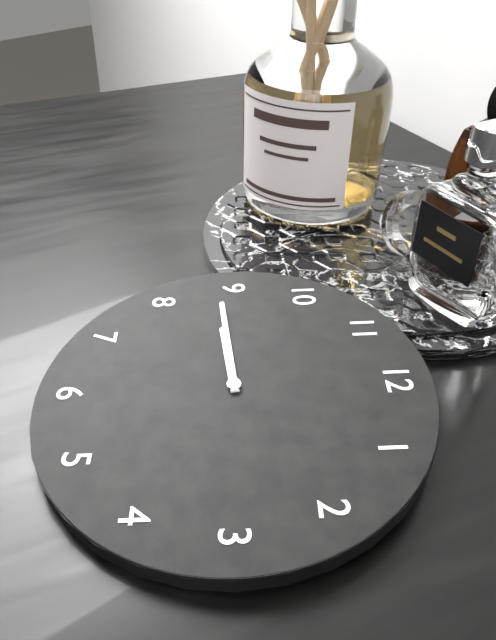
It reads **8:44**
